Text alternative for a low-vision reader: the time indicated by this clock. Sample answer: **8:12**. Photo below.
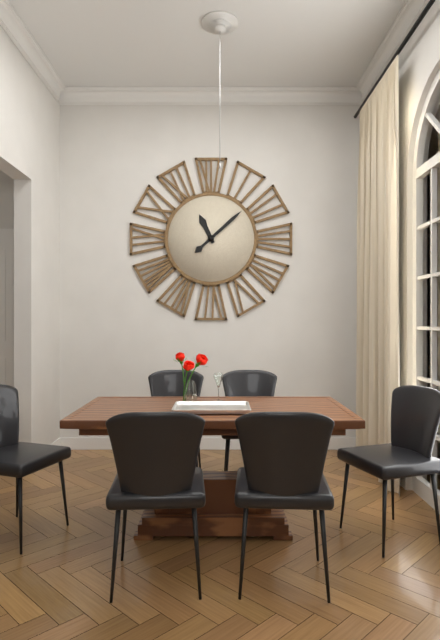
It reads **11:08**
